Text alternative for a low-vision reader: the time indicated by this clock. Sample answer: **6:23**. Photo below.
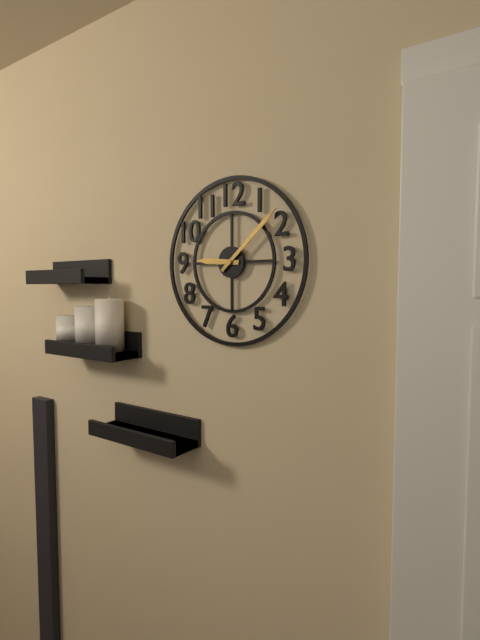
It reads **9:08**
